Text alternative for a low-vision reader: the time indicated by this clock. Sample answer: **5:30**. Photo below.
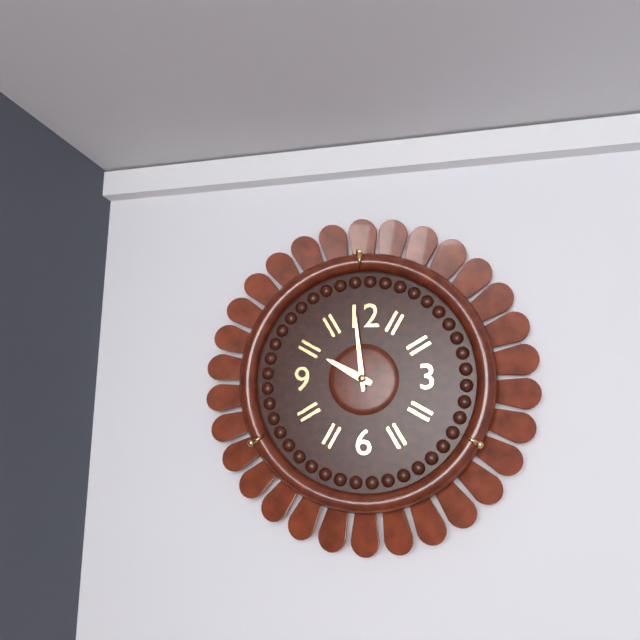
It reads **9:59**
